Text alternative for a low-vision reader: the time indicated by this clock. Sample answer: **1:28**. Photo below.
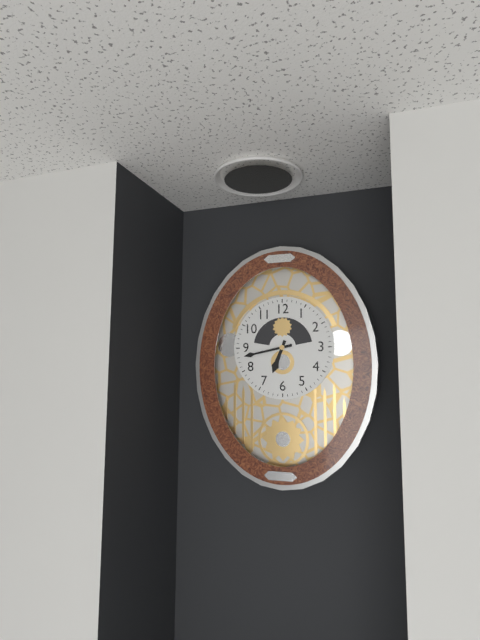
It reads **6:43**
